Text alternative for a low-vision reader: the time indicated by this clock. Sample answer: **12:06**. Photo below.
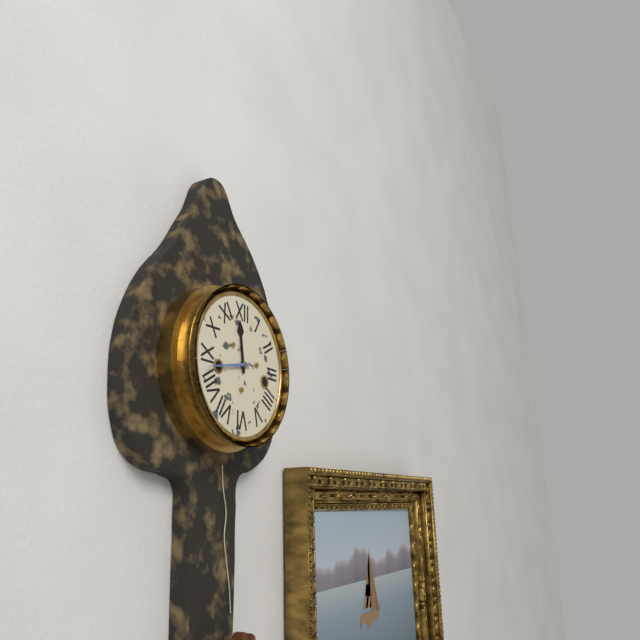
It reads **11:43**
